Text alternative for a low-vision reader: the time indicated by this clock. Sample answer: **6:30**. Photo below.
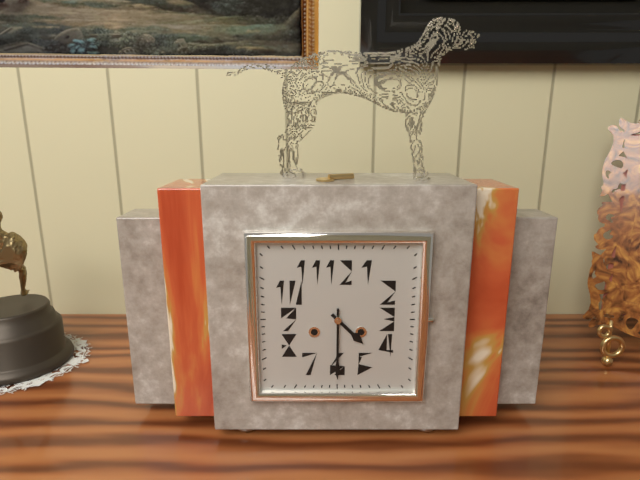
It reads **4:30**
